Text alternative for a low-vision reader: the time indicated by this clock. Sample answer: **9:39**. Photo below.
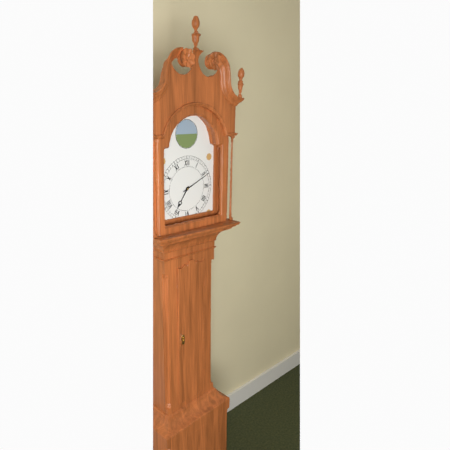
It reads **7:11**
